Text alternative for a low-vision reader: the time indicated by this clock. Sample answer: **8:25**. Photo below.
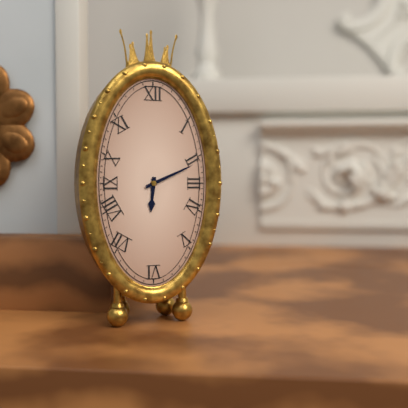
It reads **6:11**
